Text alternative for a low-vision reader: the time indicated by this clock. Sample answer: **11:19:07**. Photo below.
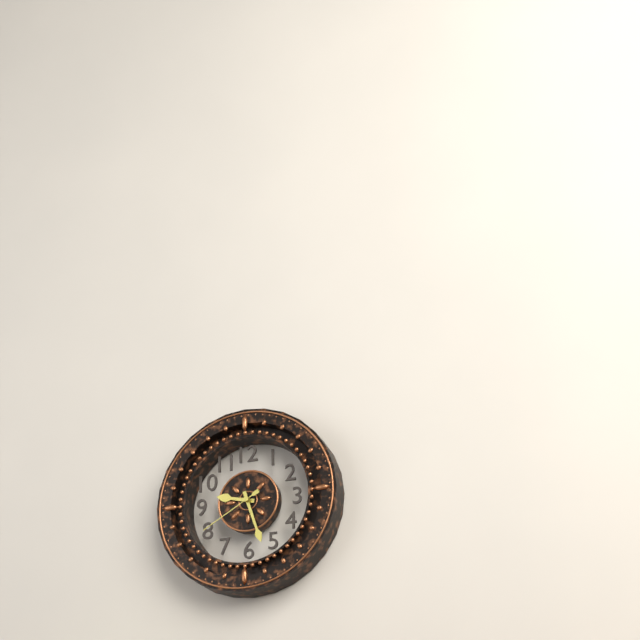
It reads **9:27:40**
